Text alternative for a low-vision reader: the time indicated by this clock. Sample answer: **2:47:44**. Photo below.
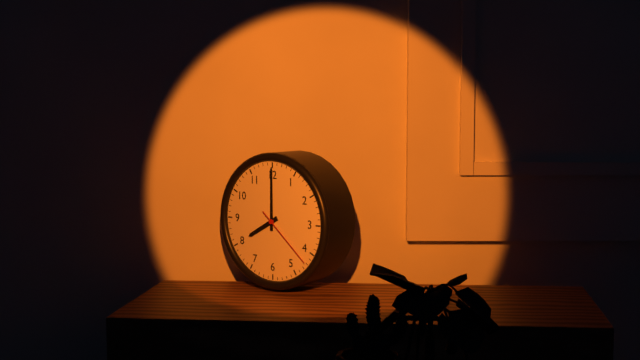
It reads **8:00:22**
